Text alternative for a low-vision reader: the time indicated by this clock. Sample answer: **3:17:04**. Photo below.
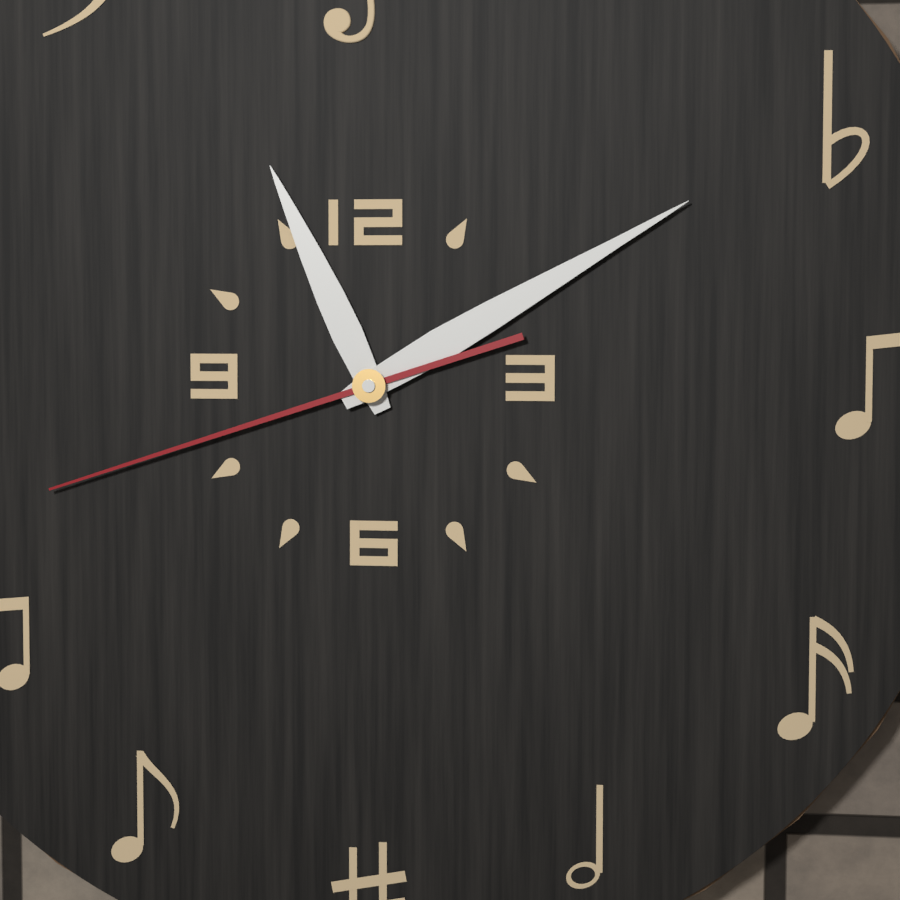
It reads **11:10:42**
